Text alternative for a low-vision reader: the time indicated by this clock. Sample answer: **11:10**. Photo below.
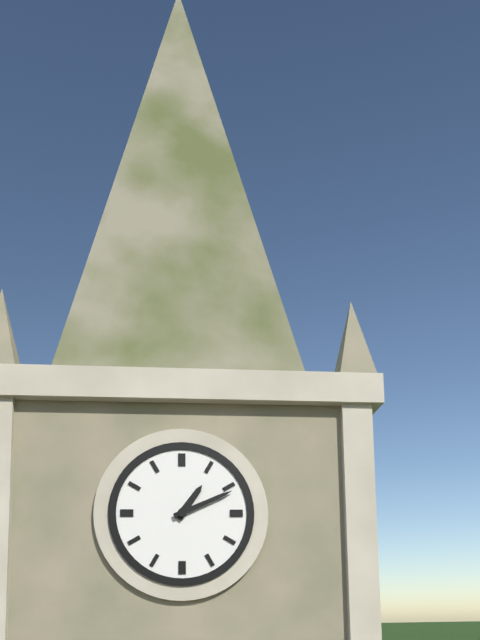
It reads **1:11**
